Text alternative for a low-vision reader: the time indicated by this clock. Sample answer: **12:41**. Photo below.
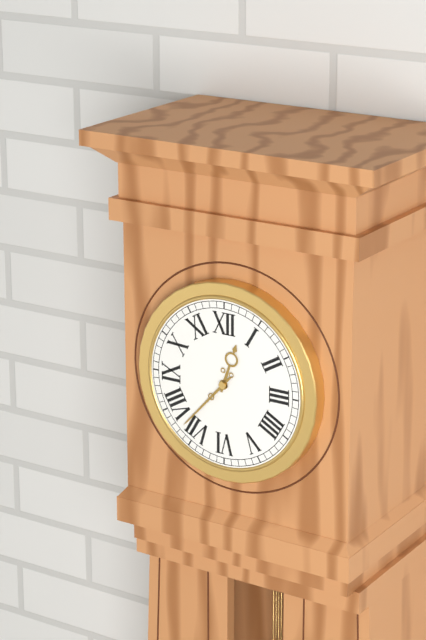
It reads **12:37**
